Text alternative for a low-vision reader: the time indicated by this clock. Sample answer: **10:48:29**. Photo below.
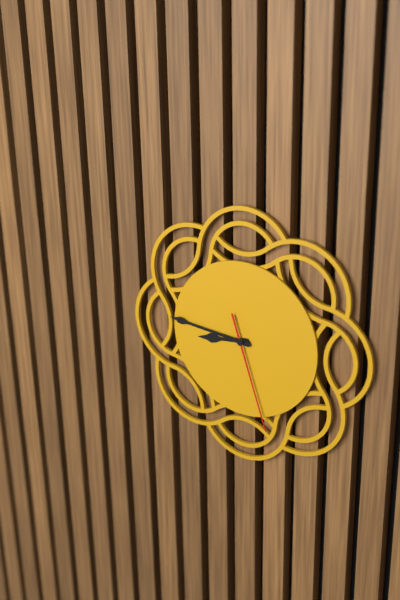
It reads **8:46:27**
